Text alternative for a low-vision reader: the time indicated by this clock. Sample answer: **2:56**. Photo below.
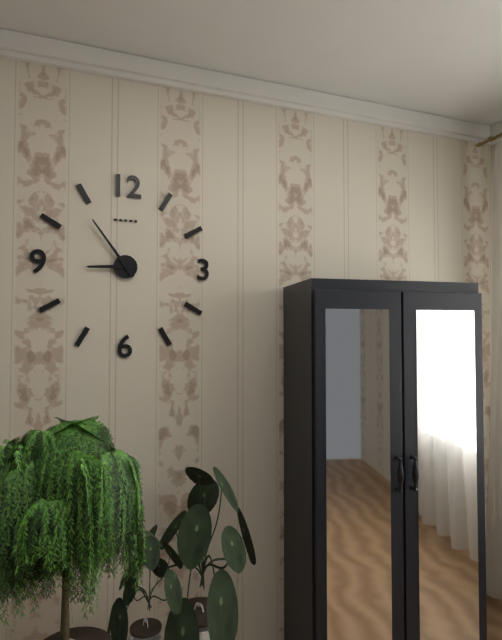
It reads **8:54**
